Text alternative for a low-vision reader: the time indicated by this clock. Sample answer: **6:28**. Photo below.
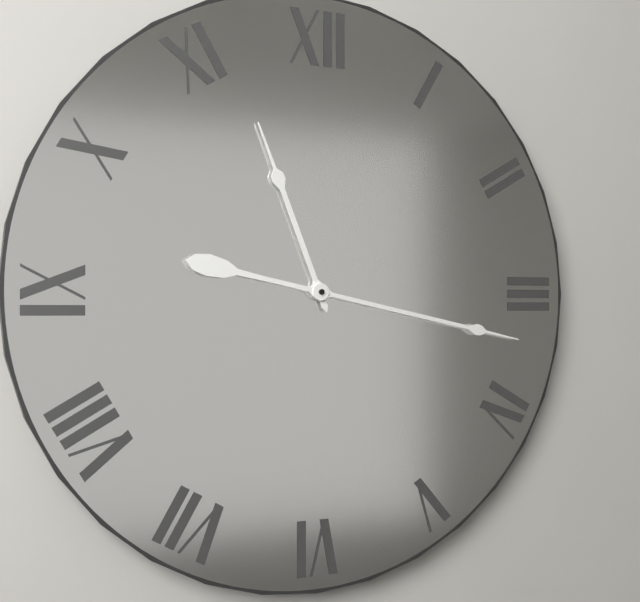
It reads **11:17**
